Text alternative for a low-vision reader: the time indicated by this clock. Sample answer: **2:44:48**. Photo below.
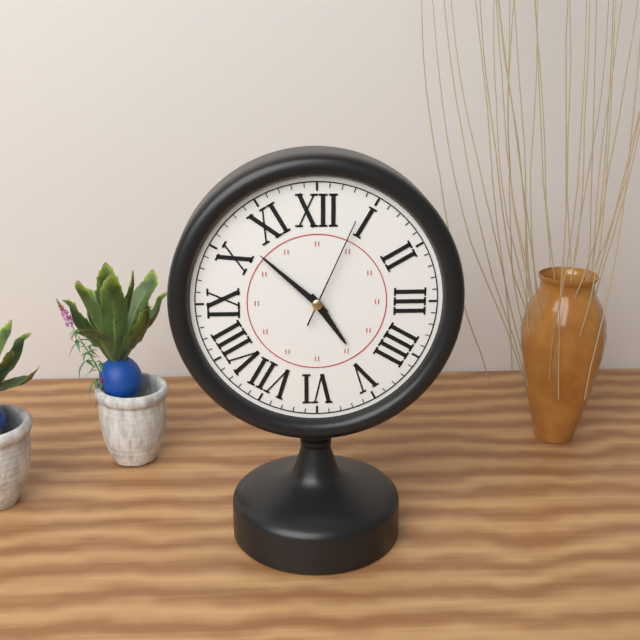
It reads **4:52:04**
